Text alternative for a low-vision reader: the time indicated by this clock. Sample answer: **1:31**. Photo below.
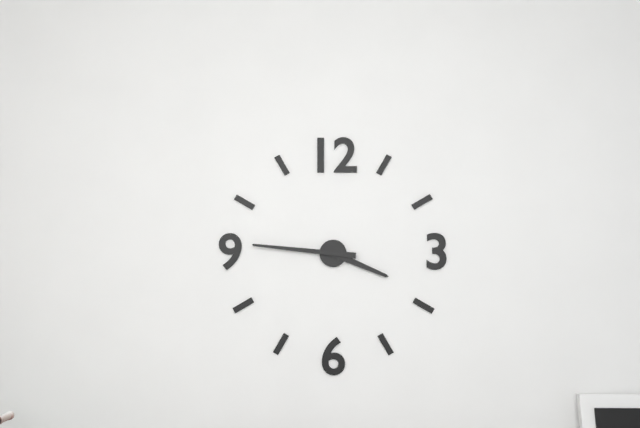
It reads **3:46**
